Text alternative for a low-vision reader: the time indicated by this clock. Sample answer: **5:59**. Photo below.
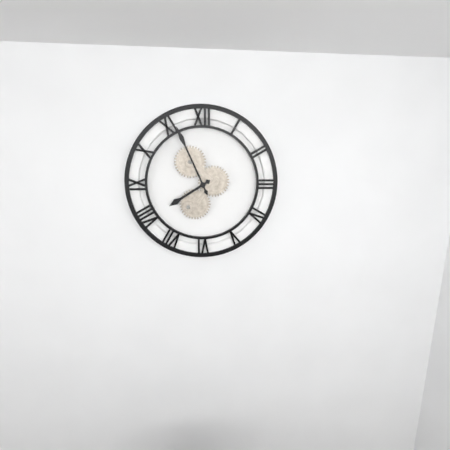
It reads **7:56**
